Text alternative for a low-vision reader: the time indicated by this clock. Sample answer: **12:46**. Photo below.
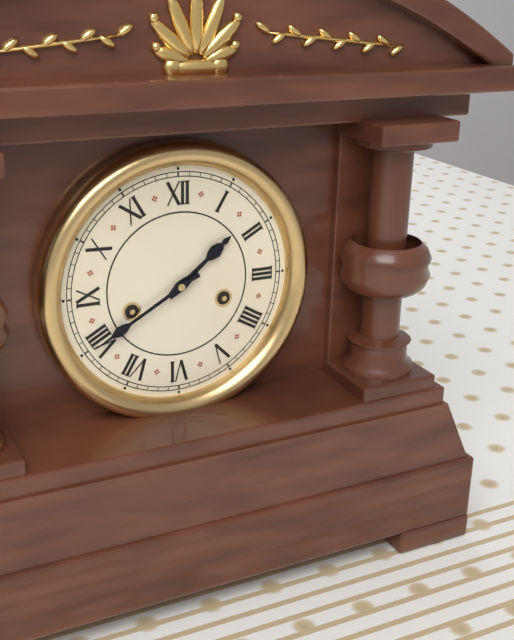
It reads **1:40**
